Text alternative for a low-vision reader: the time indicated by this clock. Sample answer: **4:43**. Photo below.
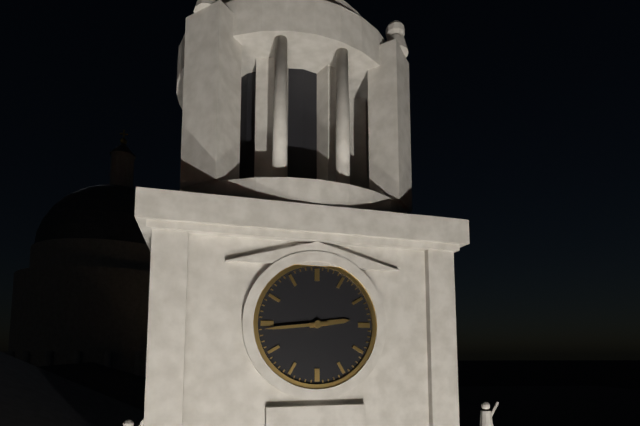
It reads **2:44**
